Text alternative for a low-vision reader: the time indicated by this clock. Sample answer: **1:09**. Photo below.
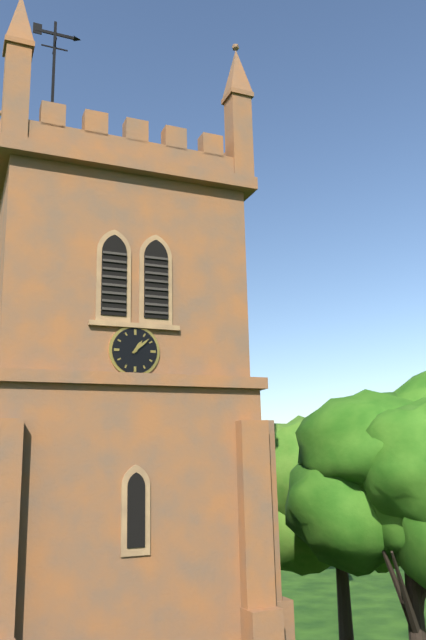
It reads **1:08**
